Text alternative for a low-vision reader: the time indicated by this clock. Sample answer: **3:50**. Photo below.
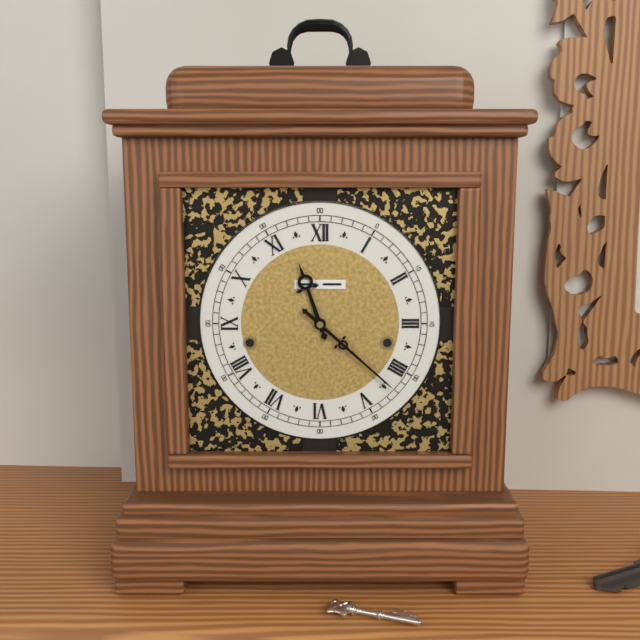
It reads **11:22**
